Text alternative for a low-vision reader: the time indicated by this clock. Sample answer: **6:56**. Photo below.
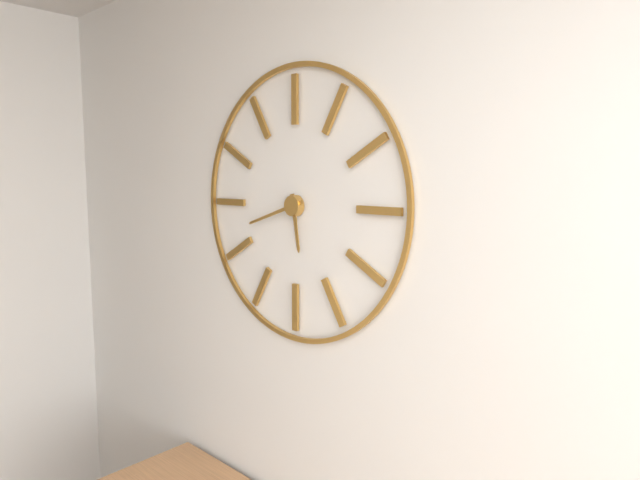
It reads **5:42**
